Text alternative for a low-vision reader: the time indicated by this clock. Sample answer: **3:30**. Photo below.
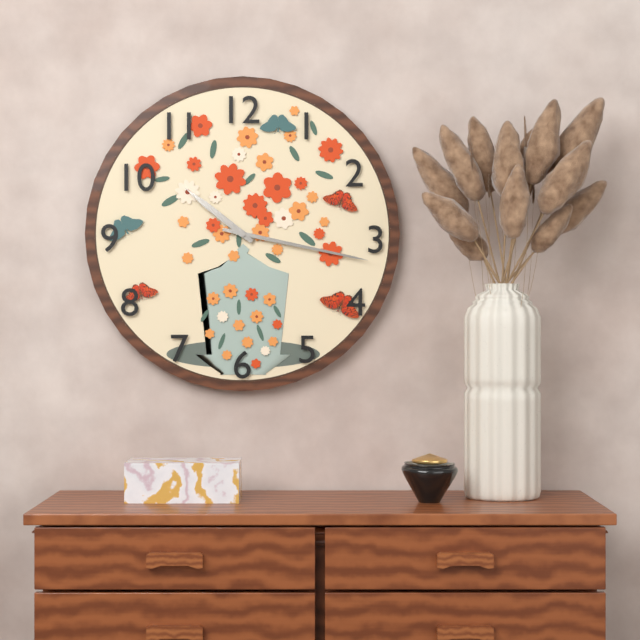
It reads **10:17**
